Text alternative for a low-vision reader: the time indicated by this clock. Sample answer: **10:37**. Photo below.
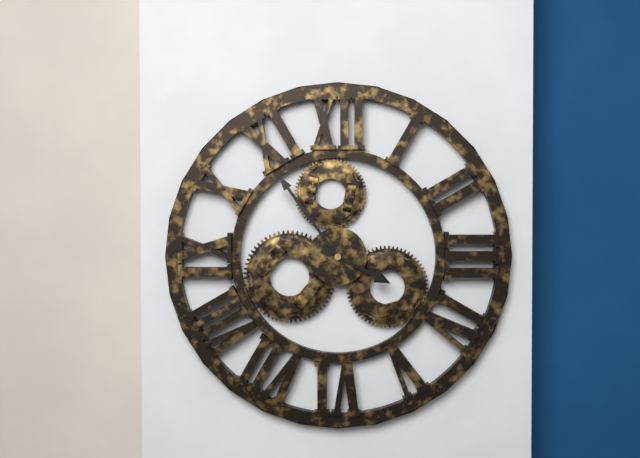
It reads **3:54**
